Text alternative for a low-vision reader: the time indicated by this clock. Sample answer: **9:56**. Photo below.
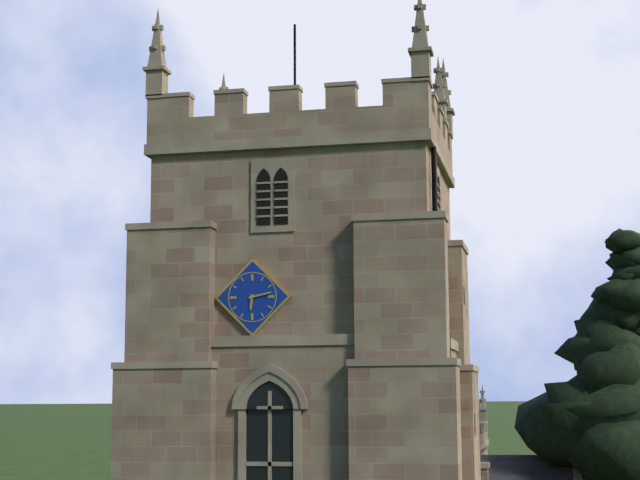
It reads **6:13**
